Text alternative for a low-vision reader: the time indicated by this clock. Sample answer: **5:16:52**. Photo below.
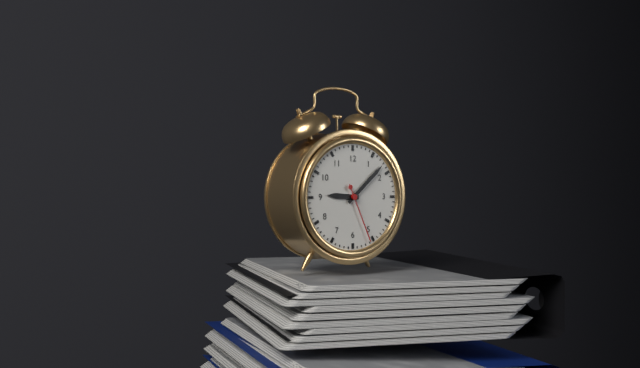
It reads **9:08:26**
